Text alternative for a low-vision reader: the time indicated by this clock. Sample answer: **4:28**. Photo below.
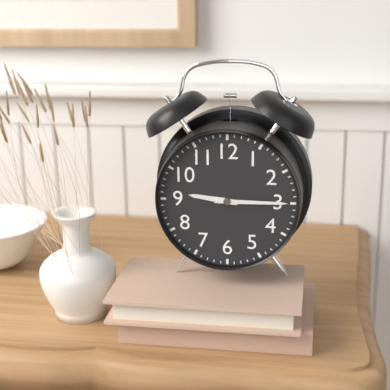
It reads **9:15**
